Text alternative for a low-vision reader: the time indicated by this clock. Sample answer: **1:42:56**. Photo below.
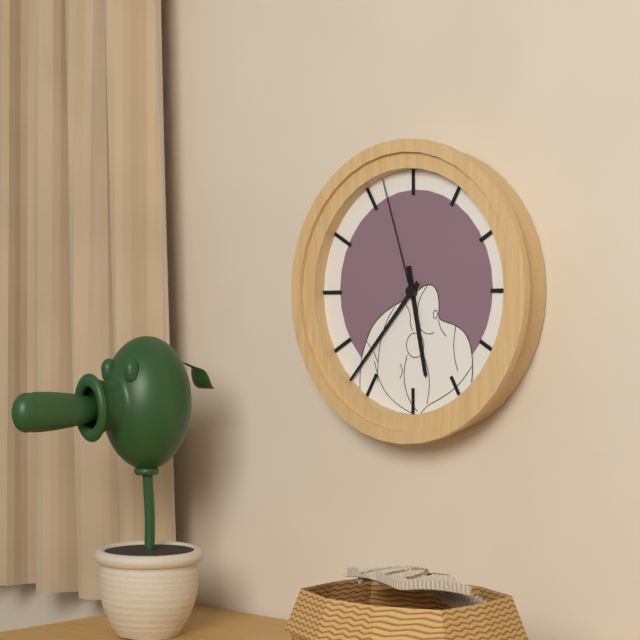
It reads **5:37:57**
